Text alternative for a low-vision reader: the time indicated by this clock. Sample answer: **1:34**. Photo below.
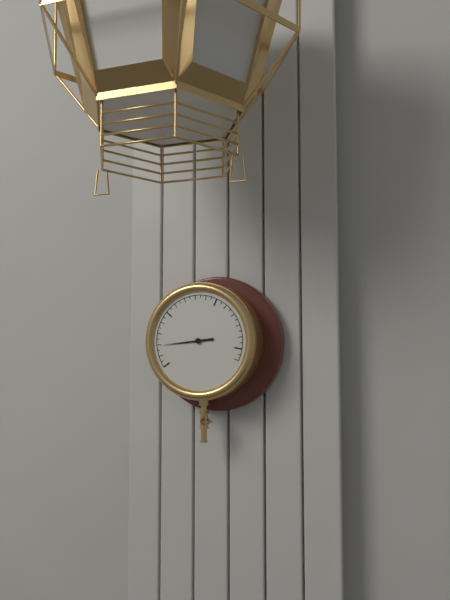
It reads **8:44**
